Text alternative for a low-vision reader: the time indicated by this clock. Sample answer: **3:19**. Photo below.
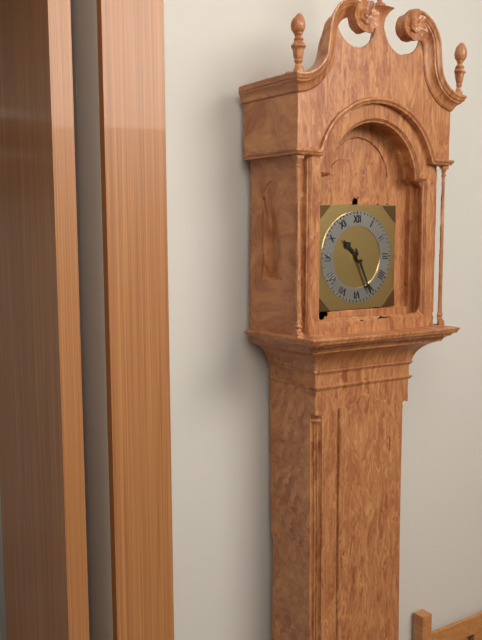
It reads **10:26**
